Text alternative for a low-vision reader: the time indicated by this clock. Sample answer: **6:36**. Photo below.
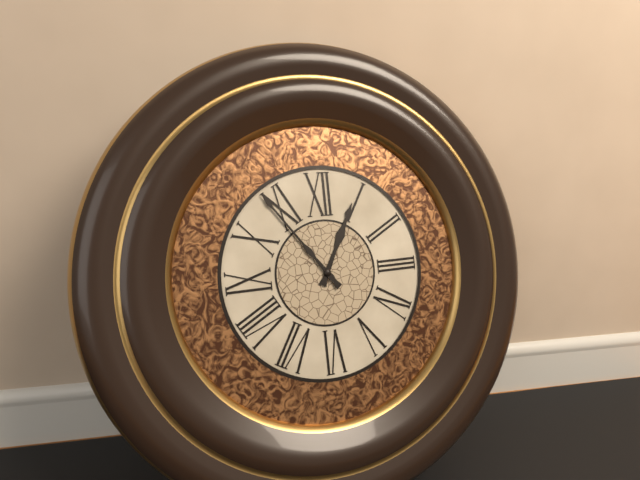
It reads **12:54**
